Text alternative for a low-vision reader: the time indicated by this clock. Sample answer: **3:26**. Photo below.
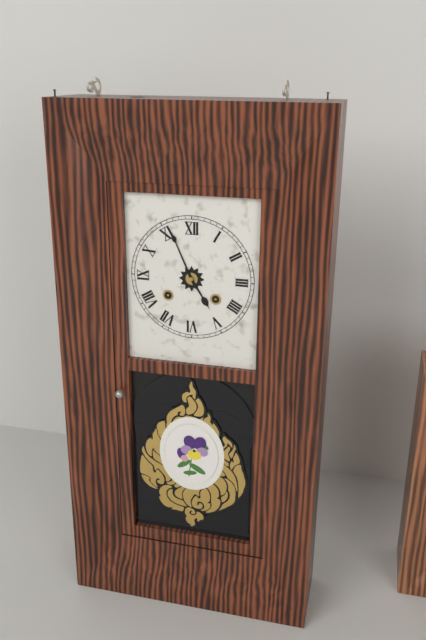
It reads **4:56**
